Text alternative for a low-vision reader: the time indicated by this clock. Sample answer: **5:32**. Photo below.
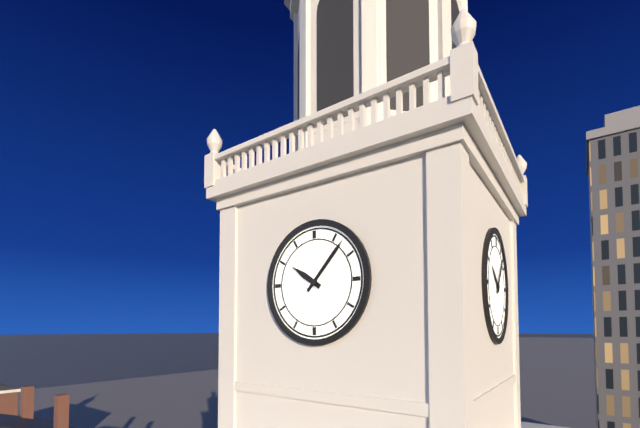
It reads **10:07**
